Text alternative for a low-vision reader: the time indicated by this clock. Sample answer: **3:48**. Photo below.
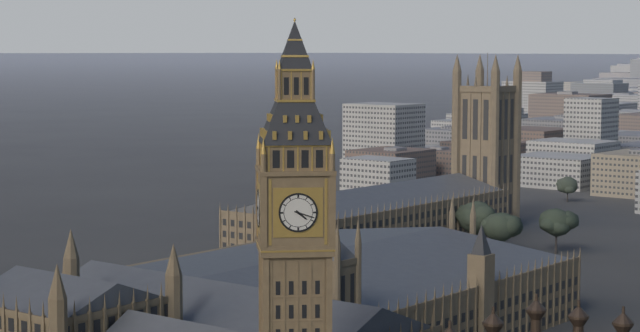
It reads **4:18**
